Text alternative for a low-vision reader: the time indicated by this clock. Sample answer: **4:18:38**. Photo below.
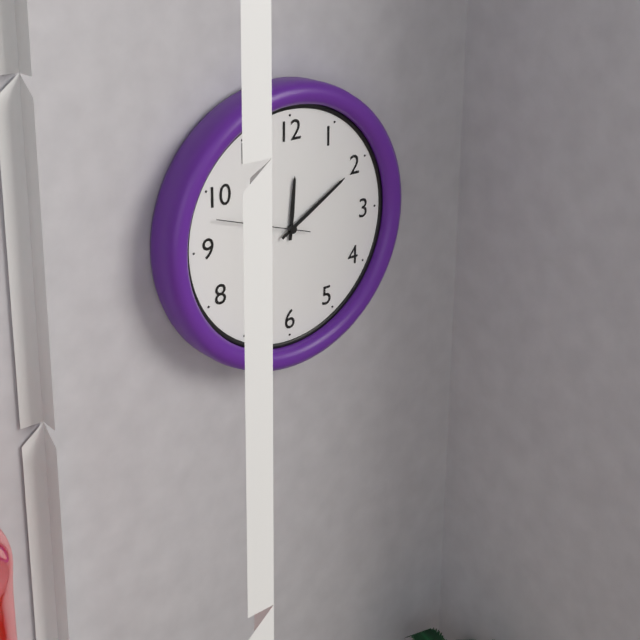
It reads **12:10:48**
